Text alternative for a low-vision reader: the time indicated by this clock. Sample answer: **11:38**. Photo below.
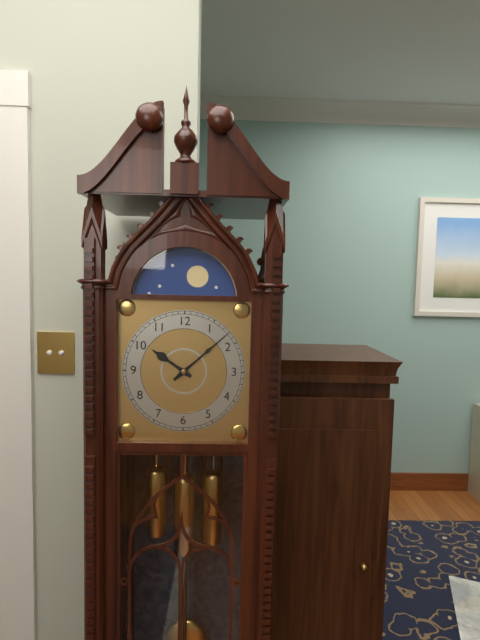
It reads **10:08**
